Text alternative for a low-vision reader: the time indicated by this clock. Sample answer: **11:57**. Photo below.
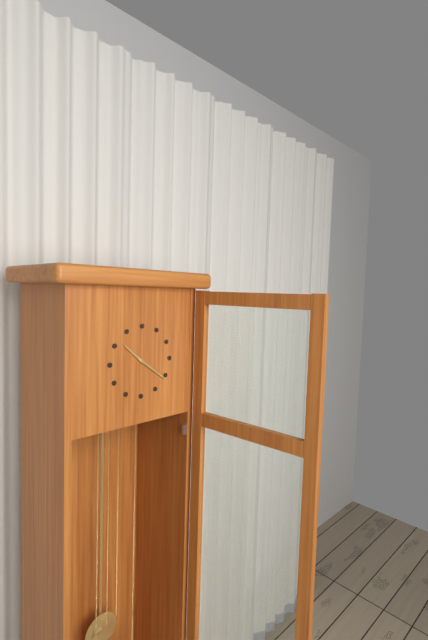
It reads **10:21**
